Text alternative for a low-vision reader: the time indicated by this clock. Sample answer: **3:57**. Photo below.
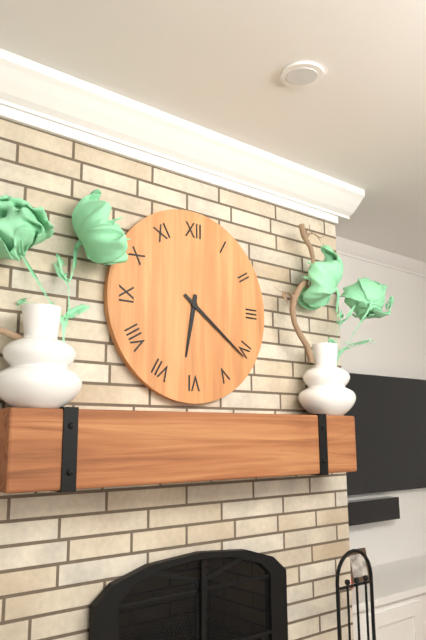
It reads **6:21**
